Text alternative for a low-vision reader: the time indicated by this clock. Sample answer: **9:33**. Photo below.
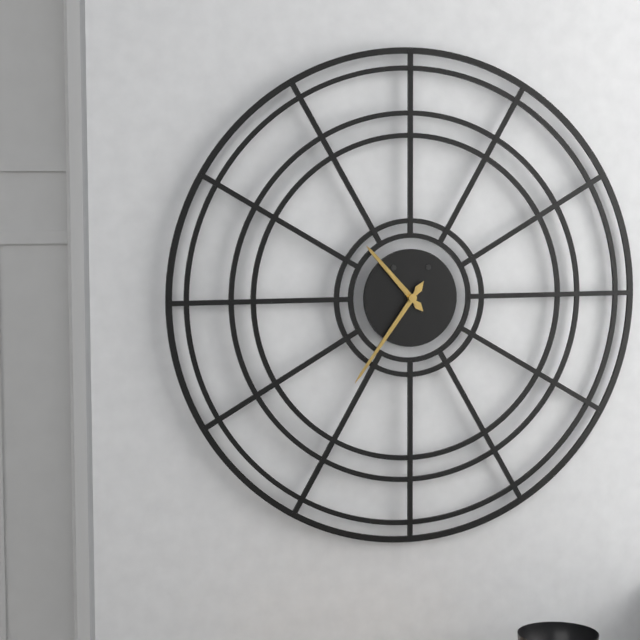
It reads **10:36**
